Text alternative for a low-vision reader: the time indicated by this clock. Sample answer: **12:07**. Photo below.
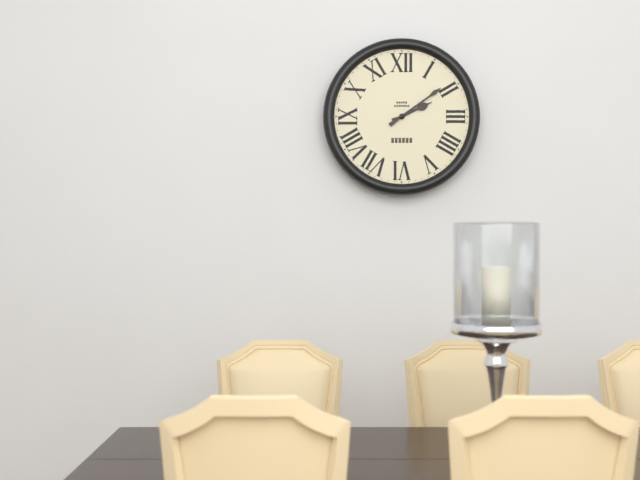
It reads **2:09**
